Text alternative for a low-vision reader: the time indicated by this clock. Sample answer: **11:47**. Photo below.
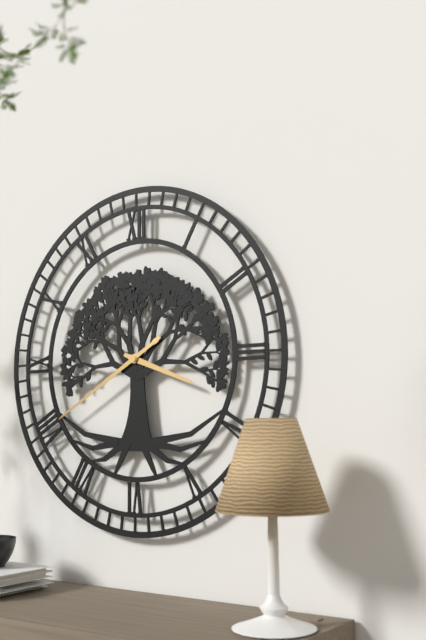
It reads **3:40**
